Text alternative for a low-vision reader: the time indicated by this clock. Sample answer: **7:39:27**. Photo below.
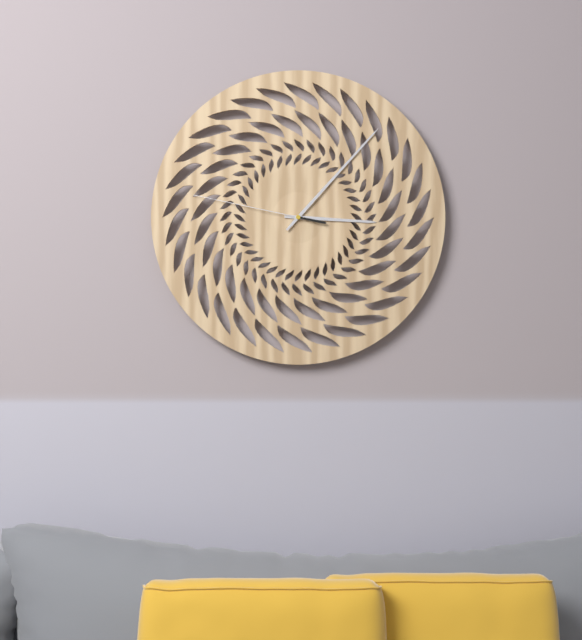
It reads **3:07:47**
